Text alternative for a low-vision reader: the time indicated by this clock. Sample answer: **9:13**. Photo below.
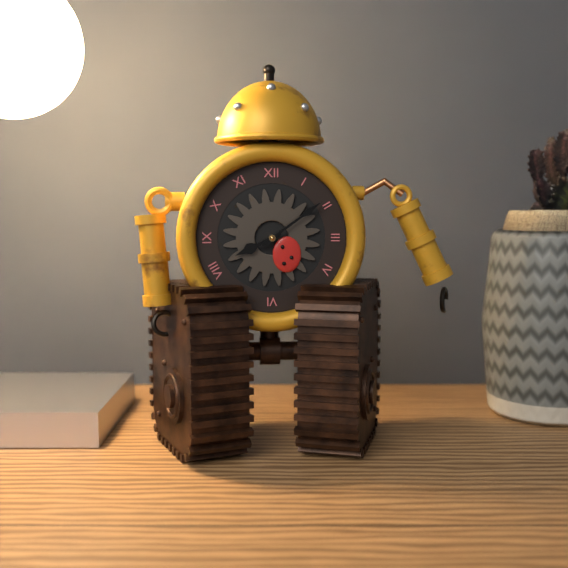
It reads **8:09**
